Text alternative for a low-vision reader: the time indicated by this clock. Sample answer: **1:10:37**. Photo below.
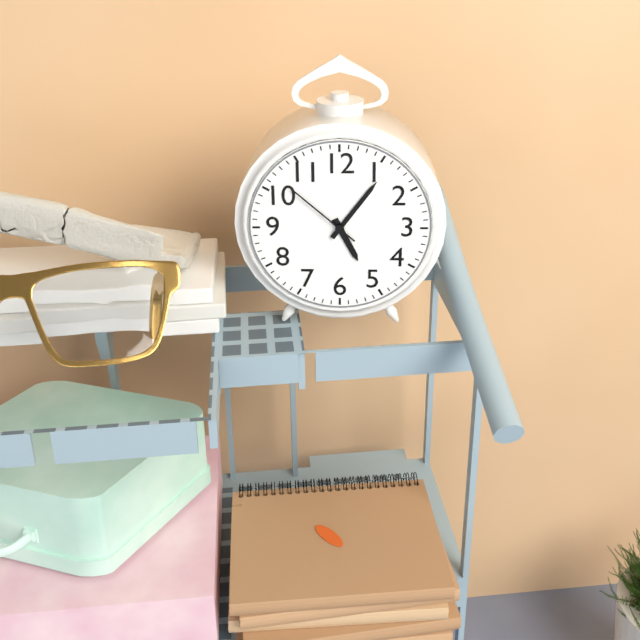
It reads **5:06:52**
